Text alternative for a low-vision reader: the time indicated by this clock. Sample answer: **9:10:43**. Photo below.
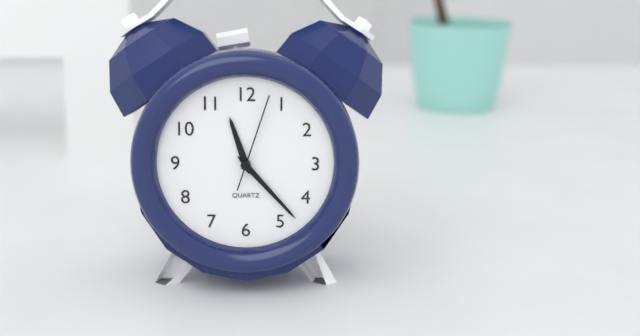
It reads **11:23:03**
